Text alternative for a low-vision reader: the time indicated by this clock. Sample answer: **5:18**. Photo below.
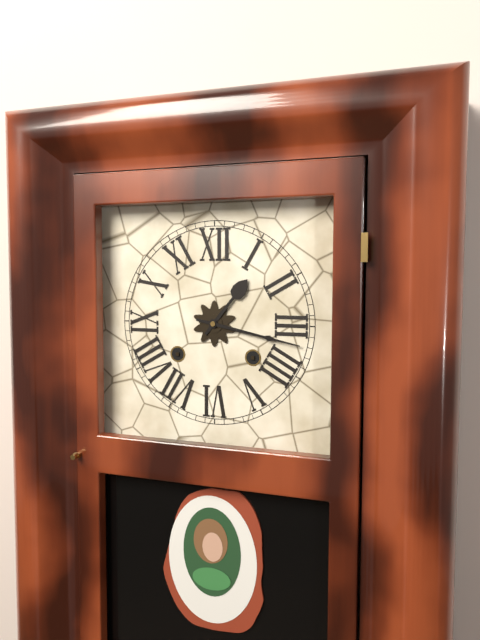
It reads **1:17**
